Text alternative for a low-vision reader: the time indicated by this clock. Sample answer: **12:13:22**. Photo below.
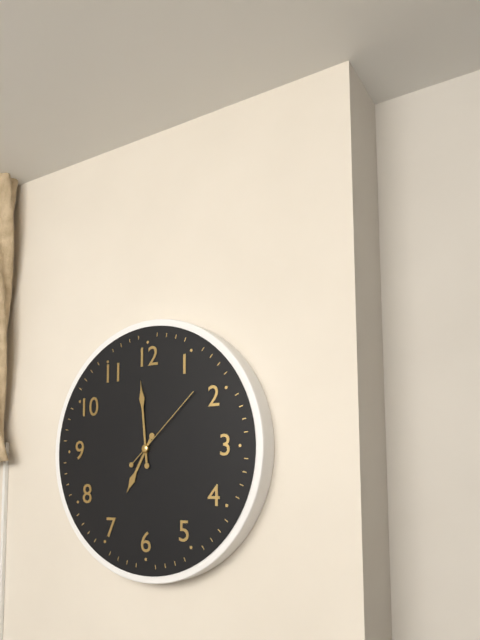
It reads **6:59:08**
